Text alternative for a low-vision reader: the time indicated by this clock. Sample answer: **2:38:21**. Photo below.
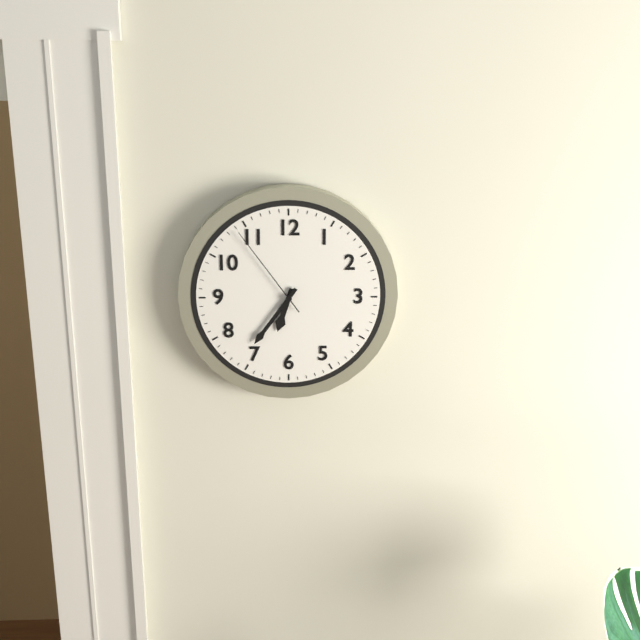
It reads **6:36:54**
